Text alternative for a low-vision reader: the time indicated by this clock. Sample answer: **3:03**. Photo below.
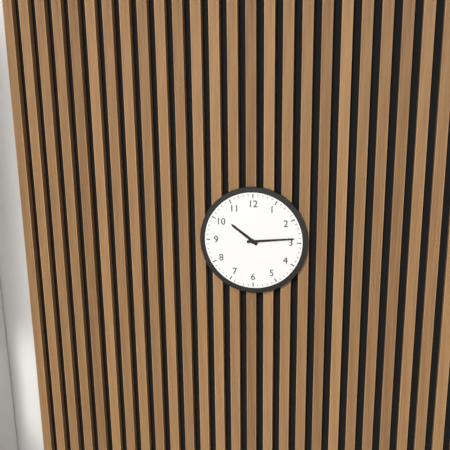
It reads **10:14**
